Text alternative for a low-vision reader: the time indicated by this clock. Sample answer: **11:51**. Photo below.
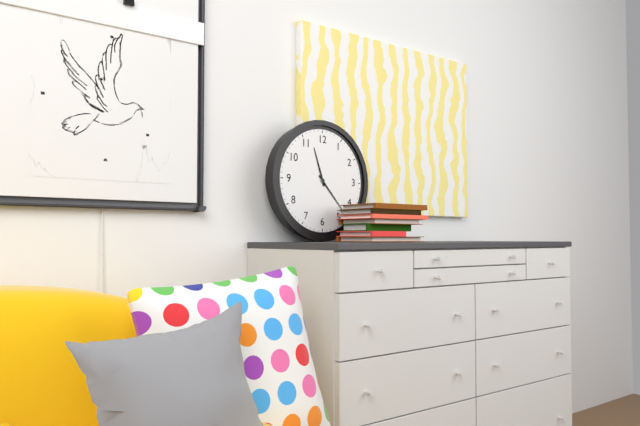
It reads **11:23**
